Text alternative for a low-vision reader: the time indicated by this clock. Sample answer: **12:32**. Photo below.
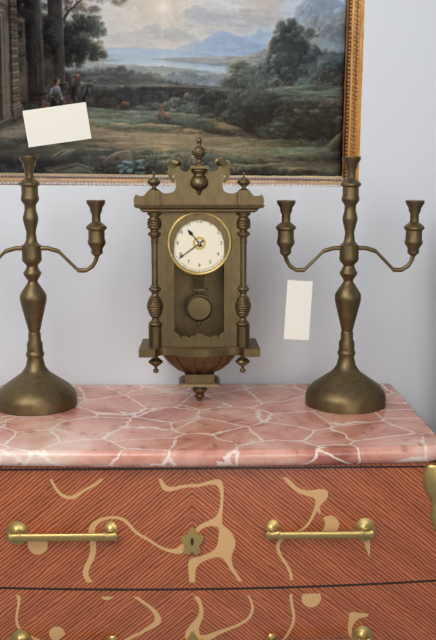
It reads **10:39**
